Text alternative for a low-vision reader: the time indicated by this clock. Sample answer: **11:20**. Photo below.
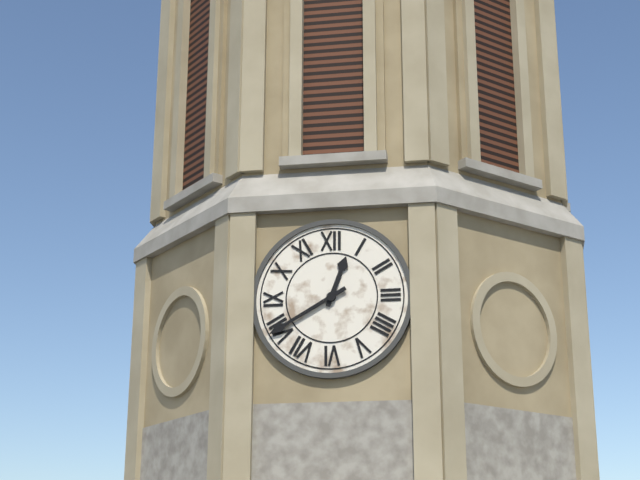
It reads **12:40**
